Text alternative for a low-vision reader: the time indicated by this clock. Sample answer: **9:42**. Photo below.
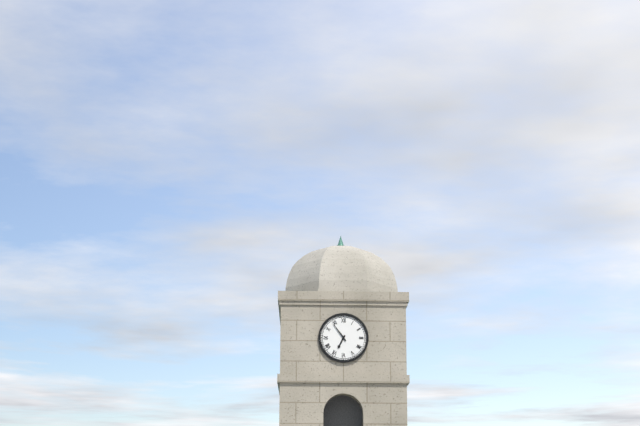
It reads **6:54**
